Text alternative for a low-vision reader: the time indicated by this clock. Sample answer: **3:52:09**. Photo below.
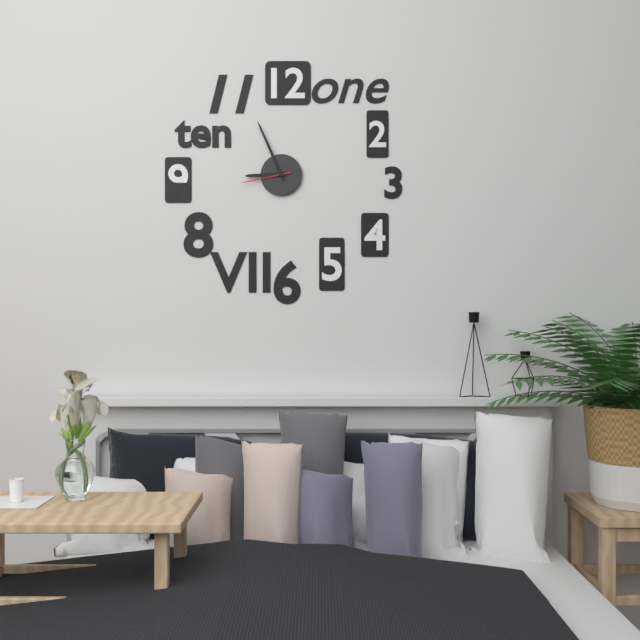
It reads **8:56:43**
